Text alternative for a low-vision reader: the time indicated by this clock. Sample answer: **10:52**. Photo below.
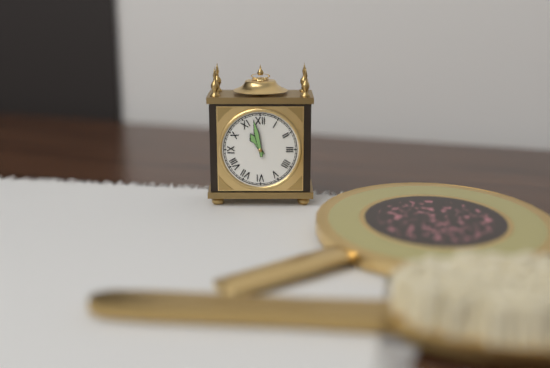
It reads **10:58**
